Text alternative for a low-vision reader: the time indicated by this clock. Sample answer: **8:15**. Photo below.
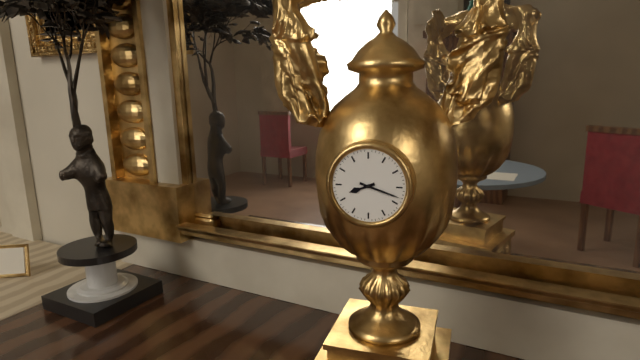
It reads **8:18**
